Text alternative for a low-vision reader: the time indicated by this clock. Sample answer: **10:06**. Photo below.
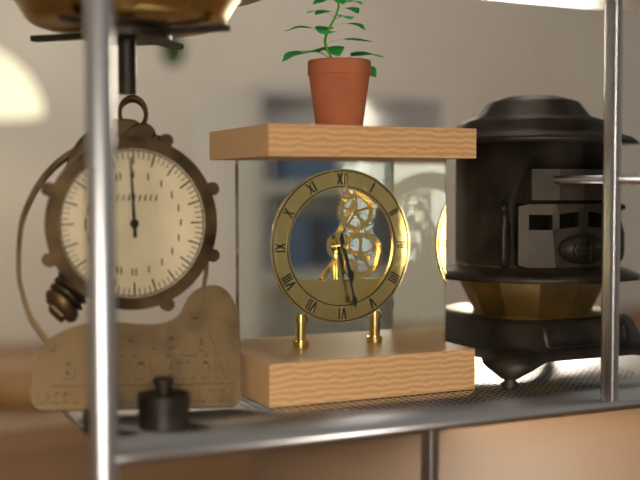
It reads **5:28**
